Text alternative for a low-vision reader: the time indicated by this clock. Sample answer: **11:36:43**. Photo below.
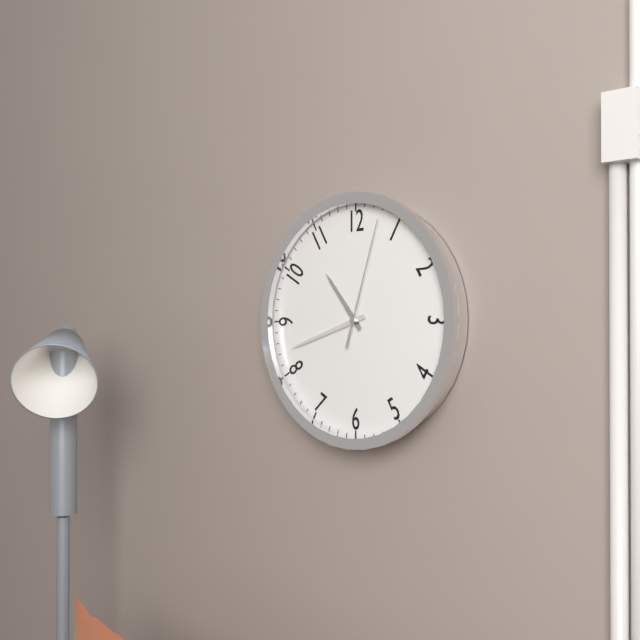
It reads **10:42:03**
